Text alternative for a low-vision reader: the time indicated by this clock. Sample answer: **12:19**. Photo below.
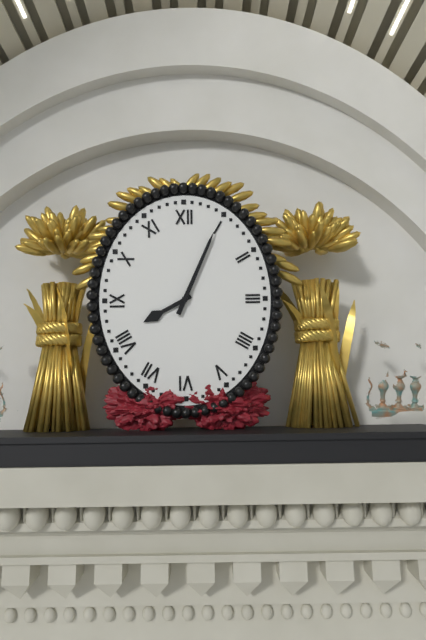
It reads **8:04**
